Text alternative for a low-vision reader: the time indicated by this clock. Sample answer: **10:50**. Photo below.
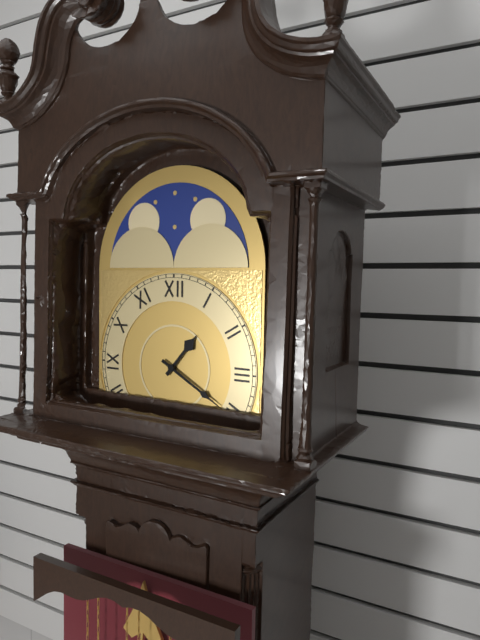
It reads **1:20**
